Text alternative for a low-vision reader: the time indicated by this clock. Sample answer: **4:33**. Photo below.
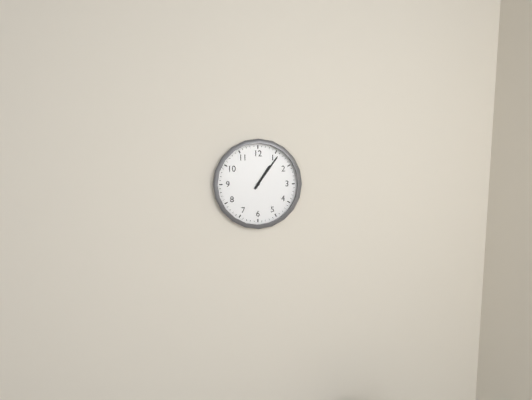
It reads **1:06**
